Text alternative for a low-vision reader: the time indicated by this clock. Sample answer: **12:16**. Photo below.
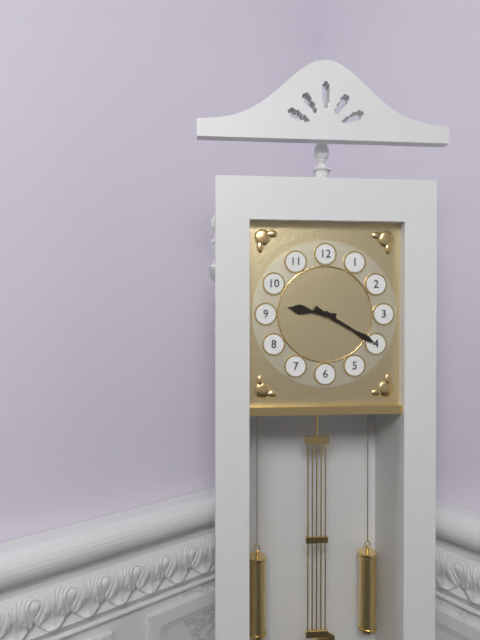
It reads **9:20**
